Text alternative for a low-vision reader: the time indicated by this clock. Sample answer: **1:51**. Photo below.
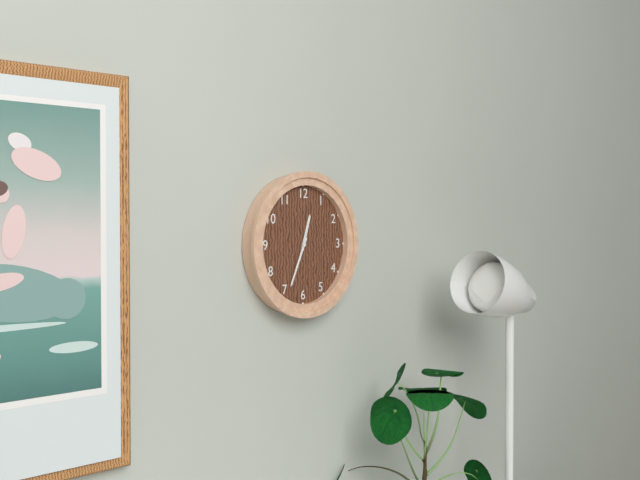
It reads **12:34**
